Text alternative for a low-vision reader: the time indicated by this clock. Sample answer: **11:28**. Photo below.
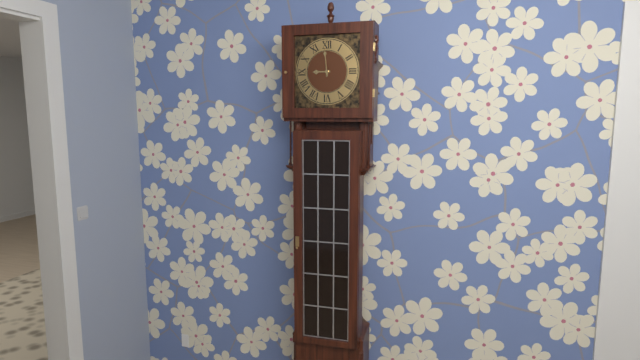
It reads **8:59**
